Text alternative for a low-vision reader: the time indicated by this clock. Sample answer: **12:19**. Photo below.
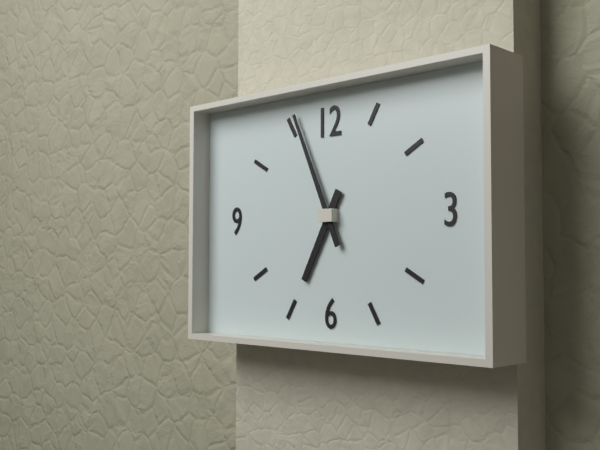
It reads **6:56**
